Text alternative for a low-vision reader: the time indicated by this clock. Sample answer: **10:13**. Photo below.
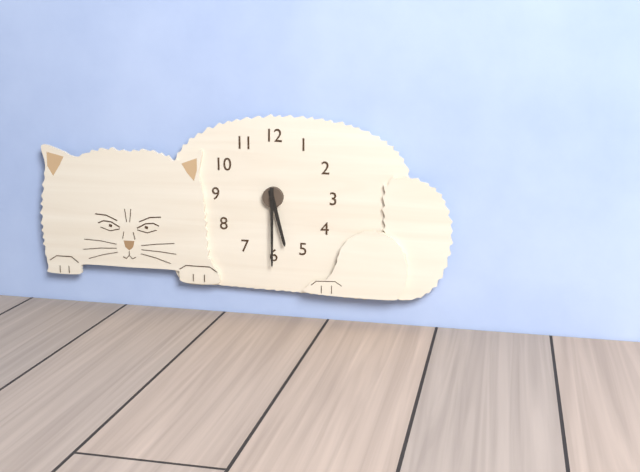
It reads **5:30**
